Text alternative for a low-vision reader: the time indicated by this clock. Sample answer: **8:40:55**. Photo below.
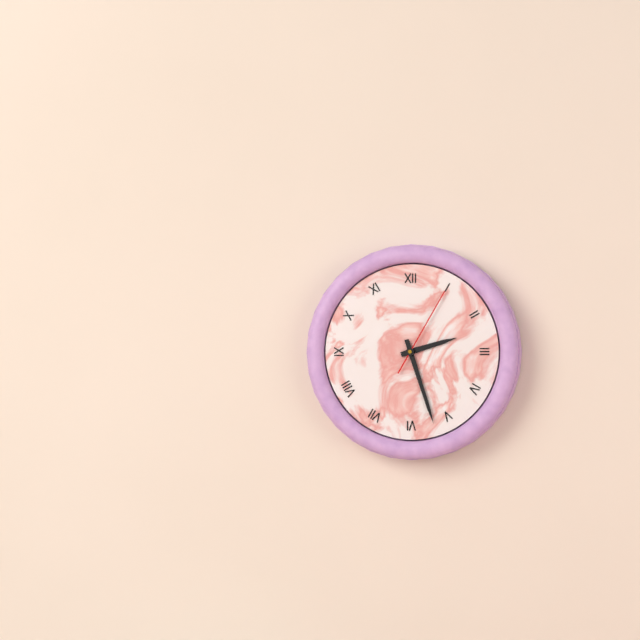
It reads **2:27:05**
